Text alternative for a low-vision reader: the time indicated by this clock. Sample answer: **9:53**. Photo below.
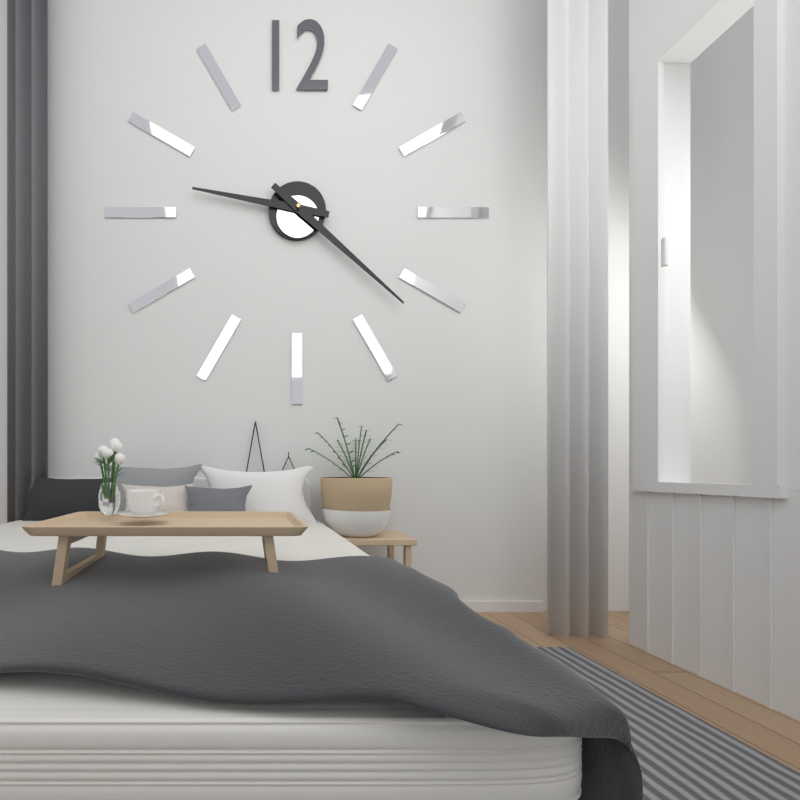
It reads **9:22**
